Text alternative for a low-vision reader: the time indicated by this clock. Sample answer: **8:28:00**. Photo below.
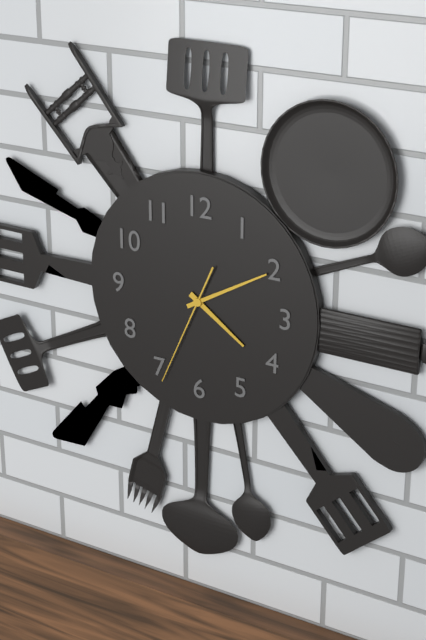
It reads **4:10:34**
